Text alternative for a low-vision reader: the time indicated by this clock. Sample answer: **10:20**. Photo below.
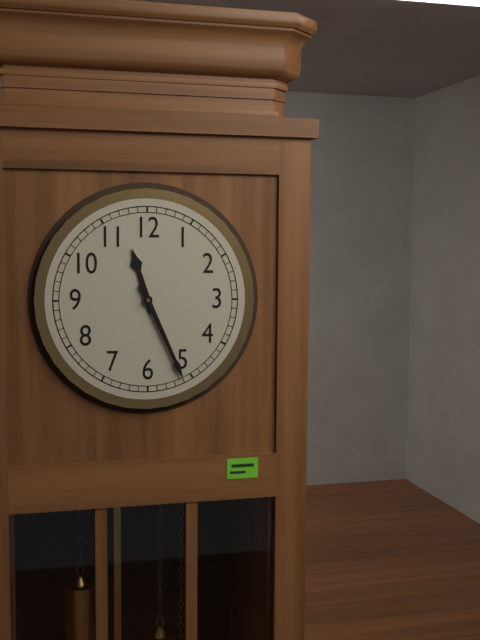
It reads **11:26**
